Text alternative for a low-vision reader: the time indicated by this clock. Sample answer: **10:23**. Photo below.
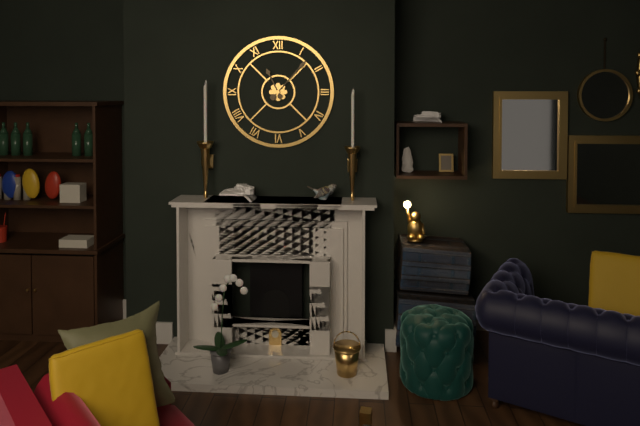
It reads **11:07**
